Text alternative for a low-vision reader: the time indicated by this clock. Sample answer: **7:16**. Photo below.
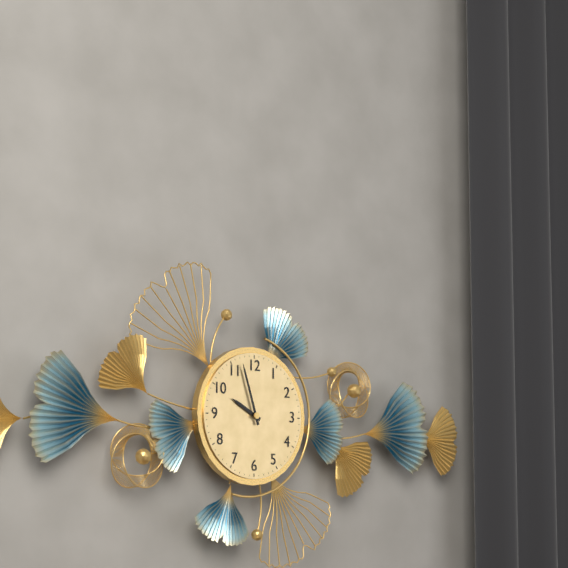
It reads **9:57**
